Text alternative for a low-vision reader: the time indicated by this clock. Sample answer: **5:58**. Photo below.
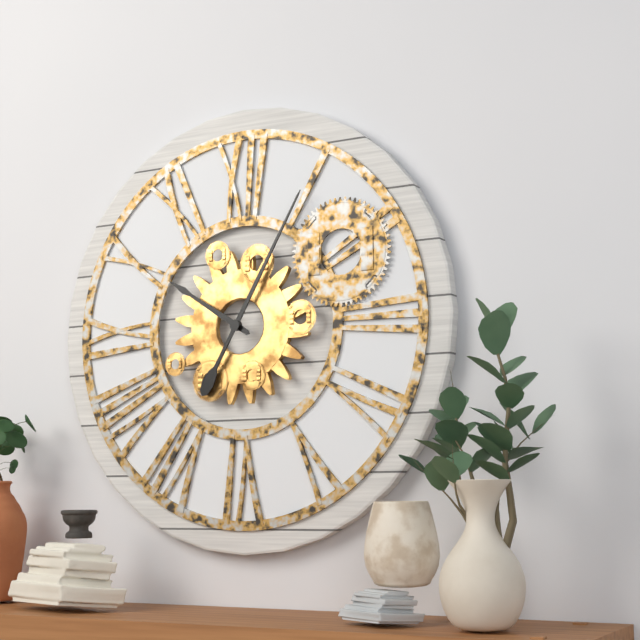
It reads **10:05**
